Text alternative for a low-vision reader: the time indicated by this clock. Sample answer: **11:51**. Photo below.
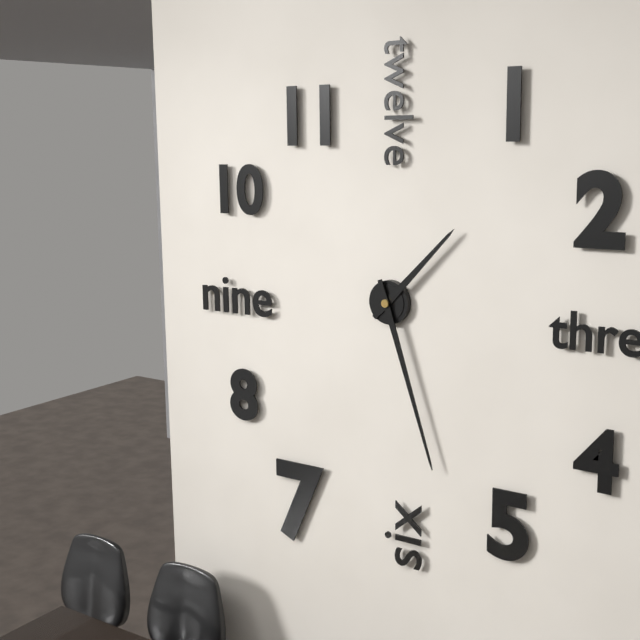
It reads **1:27**
